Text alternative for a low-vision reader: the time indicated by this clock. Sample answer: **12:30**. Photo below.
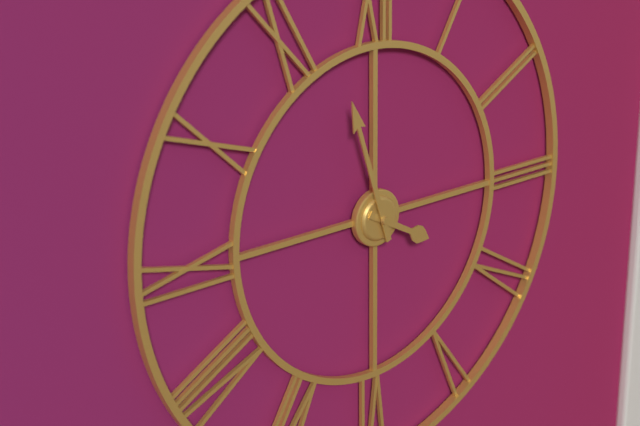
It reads **3:57**
